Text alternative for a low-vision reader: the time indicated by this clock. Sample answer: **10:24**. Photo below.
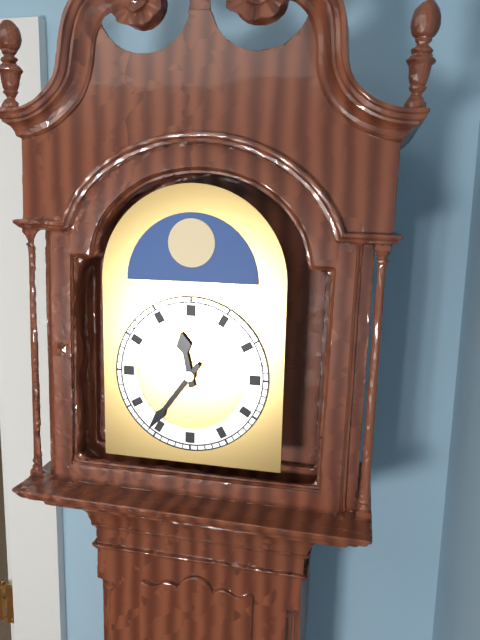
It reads **11:36**
